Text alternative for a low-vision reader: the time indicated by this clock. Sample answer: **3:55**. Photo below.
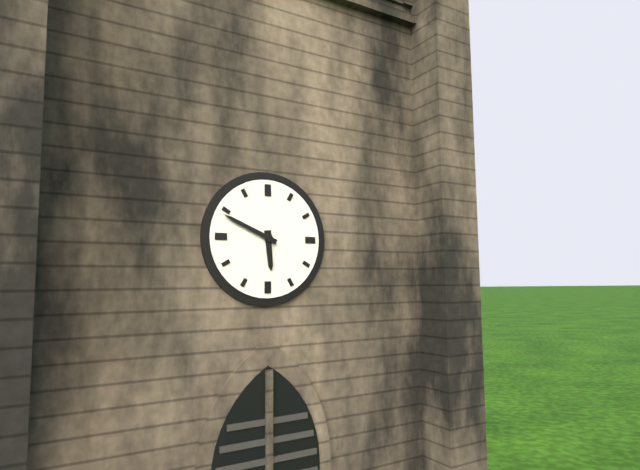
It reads **5:49**
